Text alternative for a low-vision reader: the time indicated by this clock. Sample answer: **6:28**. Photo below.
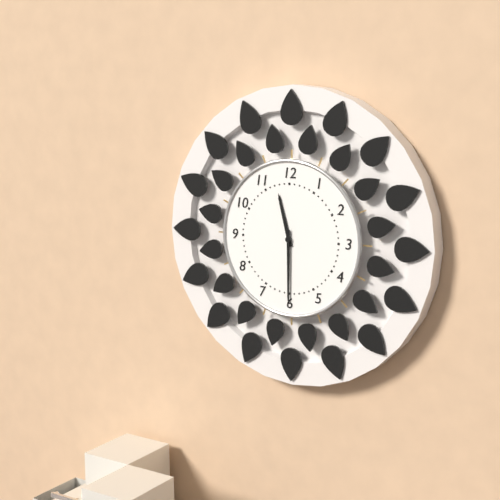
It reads **11:30**
